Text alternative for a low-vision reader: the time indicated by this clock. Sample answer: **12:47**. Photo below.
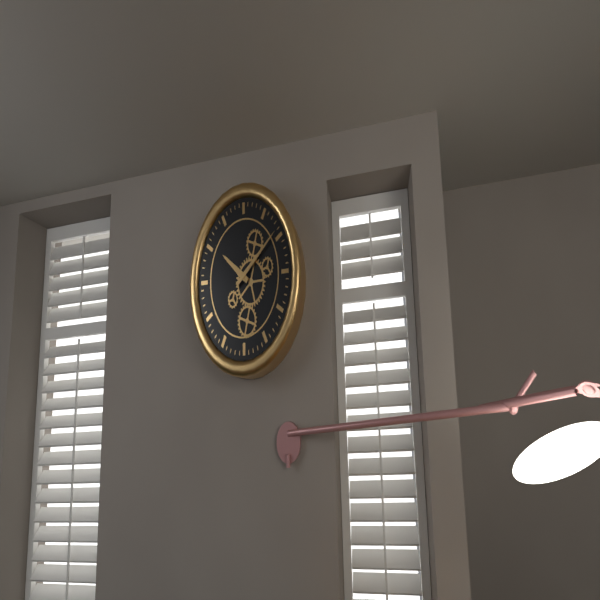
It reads **10:09**
